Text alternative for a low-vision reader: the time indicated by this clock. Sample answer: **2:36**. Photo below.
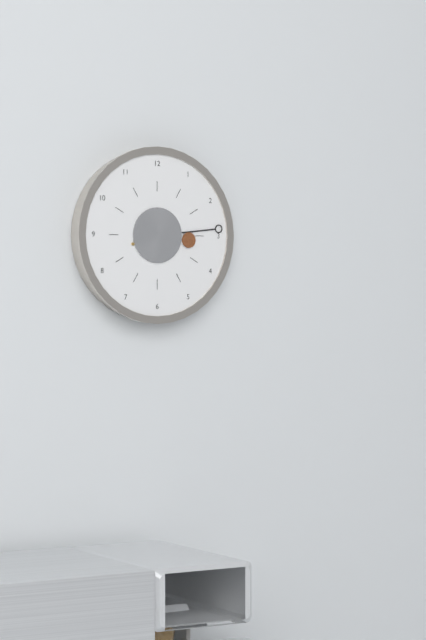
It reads **3:14**
